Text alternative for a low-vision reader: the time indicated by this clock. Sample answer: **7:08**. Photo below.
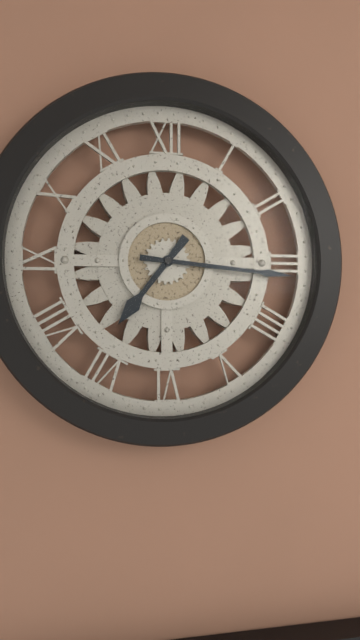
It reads **7:16**
